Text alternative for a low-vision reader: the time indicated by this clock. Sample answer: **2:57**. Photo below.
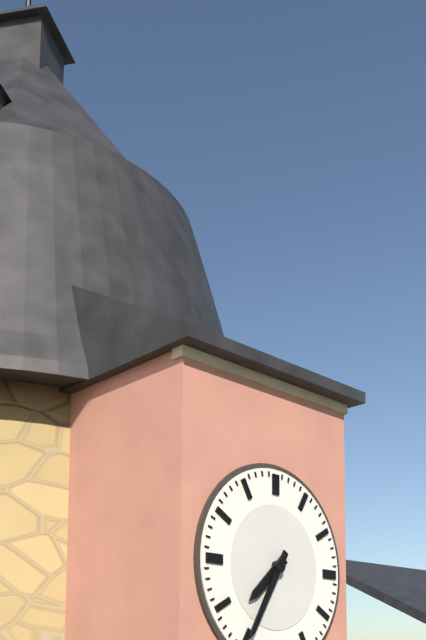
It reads **7:35**
